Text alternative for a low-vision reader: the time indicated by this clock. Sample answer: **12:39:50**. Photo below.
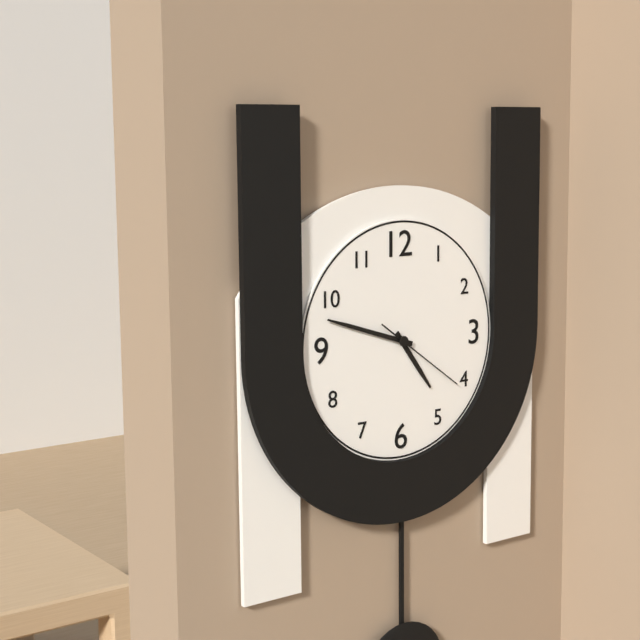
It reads **4:48:21**
